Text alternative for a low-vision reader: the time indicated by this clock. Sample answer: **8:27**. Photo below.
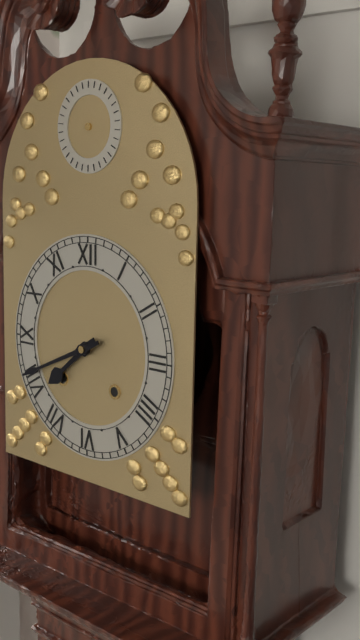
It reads **7:41**
